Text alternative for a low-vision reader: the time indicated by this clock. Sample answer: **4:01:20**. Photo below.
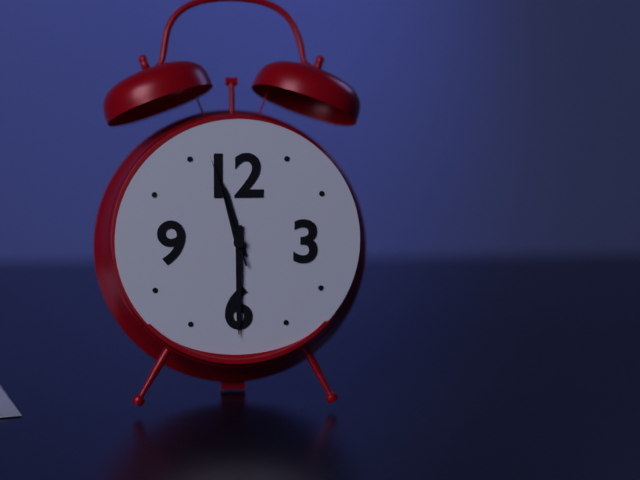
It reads **11:30:57**
